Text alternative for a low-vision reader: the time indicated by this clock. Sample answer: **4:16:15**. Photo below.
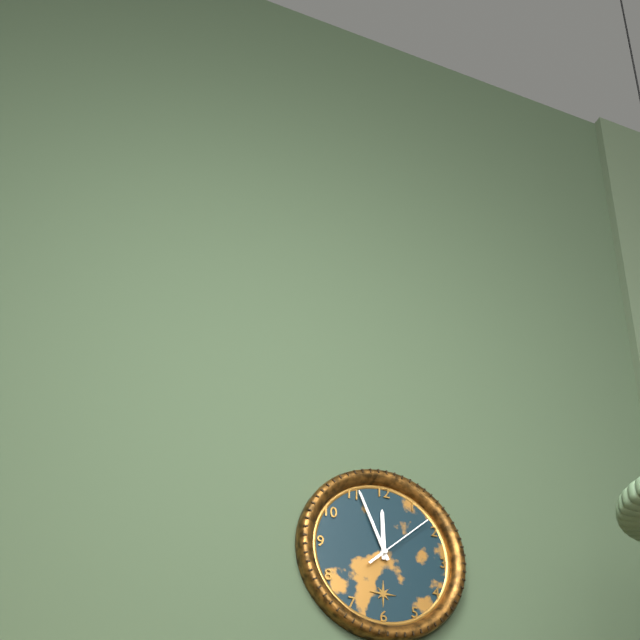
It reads **11:56:08**
